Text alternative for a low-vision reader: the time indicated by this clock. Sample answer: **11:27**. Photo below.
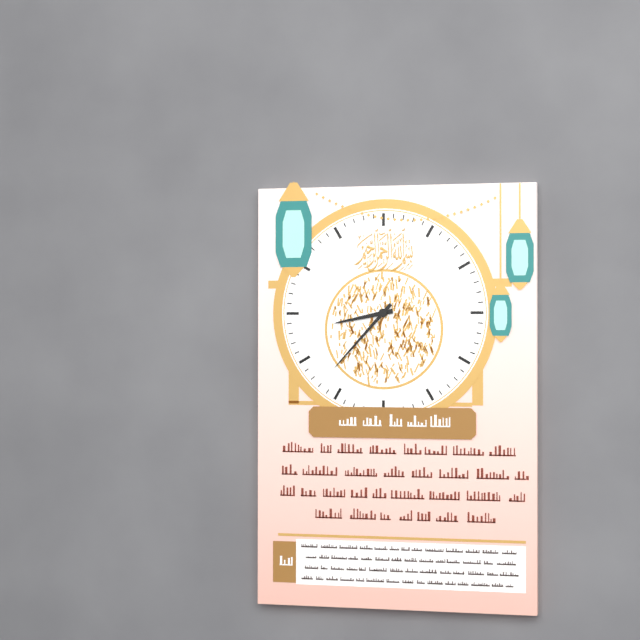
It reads **8:37**
